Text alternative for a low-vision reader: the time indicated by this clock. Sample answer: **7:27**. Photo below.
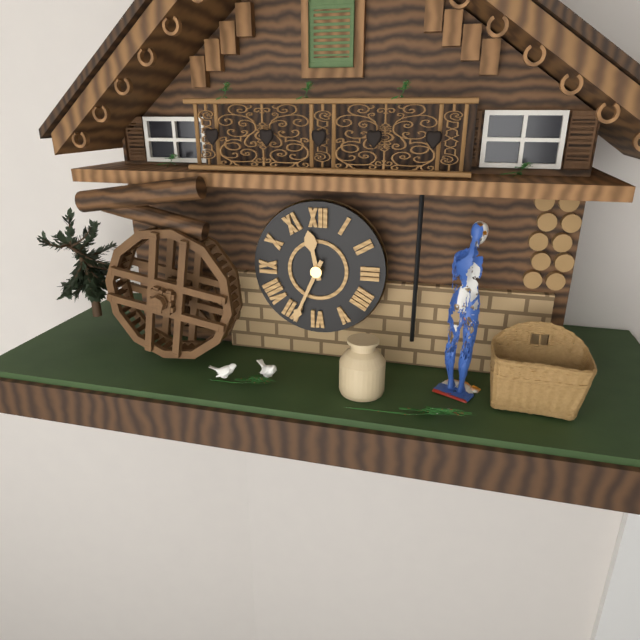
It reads **11:34**
